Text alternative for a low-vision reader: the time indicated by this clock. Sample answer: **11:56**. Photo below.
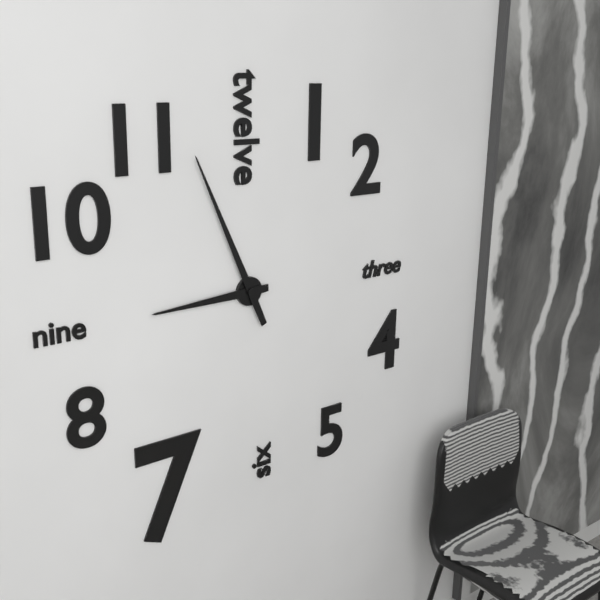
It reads **8:56**
